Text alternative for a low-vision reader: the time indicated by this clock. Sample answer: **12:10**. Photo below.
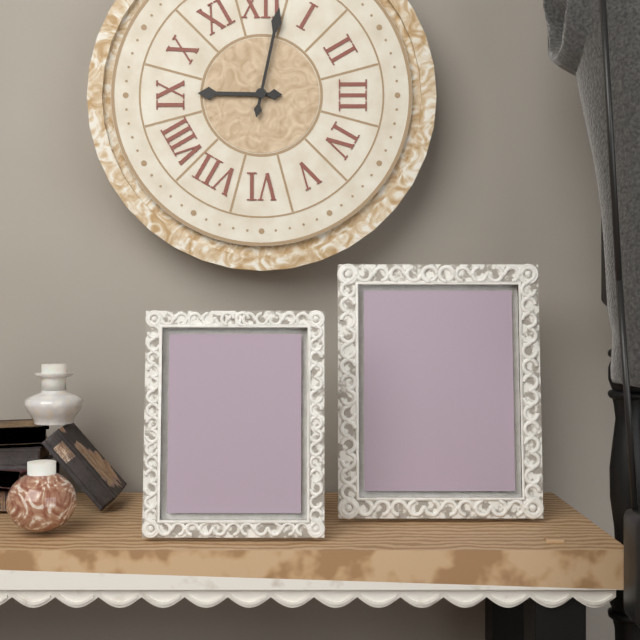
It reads **9:02**
